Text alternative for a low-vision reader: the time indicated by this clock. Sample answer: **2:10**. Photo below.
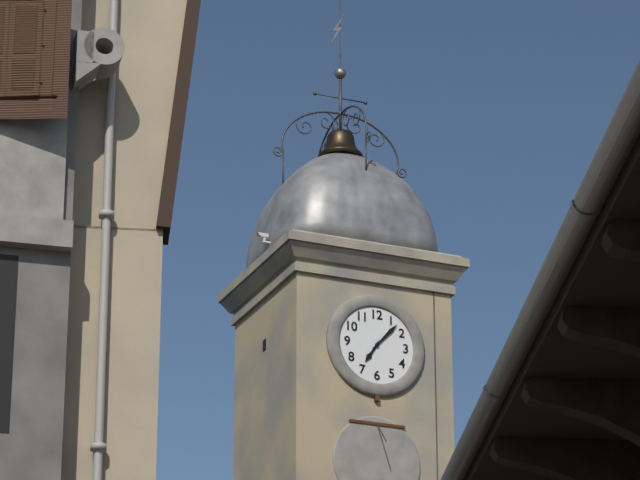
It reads **7:07**
